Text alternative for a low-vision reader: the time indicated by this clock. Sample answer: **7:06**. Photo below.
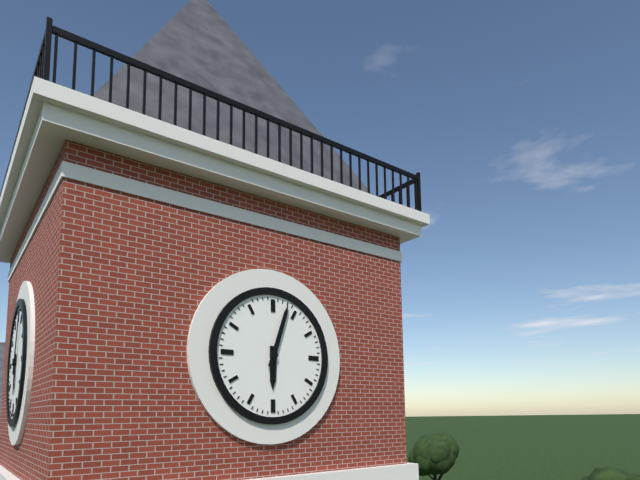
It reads **6:03**
